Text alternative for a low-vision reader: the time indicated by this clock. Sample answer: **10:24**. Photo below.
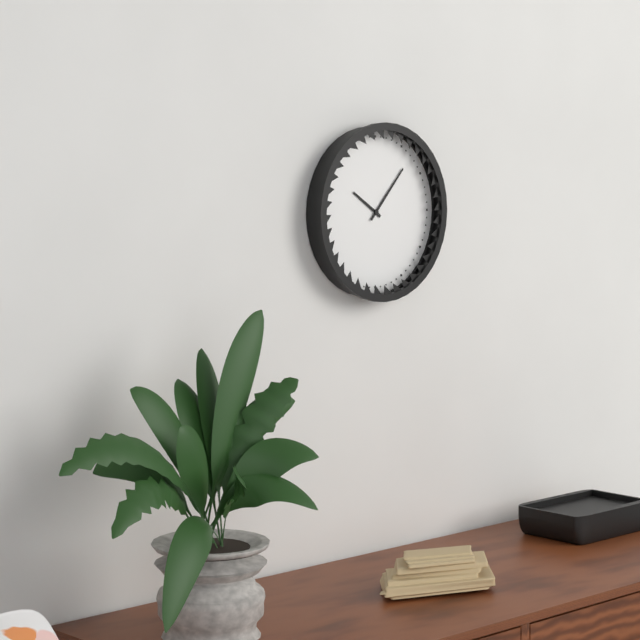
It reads **10:07**
